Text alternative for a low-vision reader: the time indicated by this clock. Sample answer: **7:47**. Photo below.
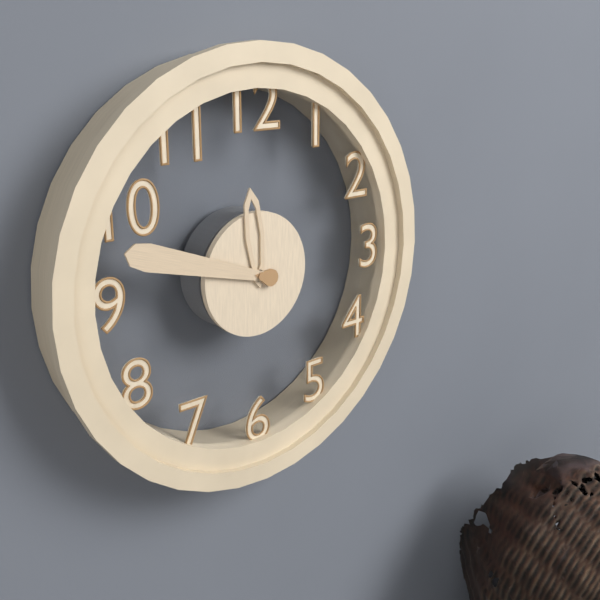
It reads **11:48**
